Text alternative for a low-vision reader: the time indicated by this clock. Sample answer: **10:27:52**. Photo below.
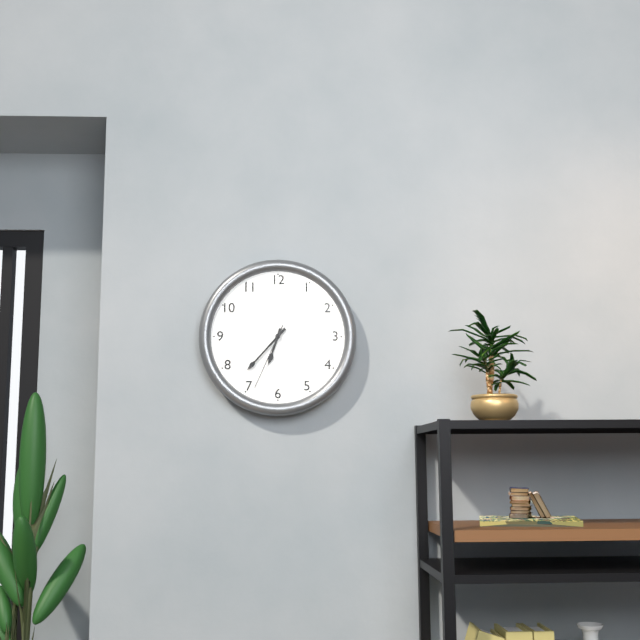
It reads **6:37:34**
